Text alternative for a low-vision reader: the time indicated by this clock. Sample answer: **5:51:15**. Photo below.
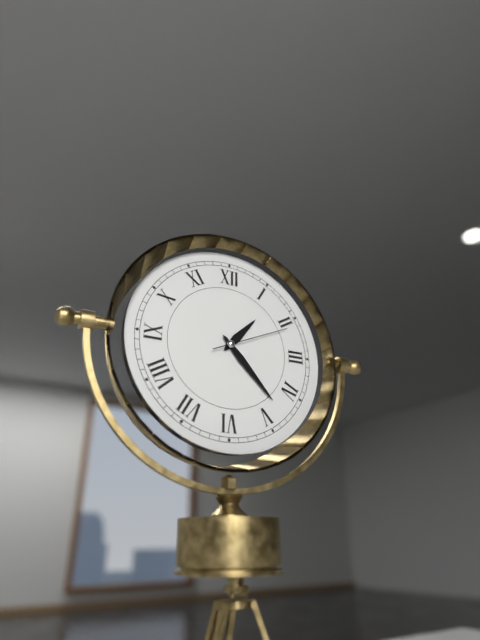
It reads **1:23:11**
